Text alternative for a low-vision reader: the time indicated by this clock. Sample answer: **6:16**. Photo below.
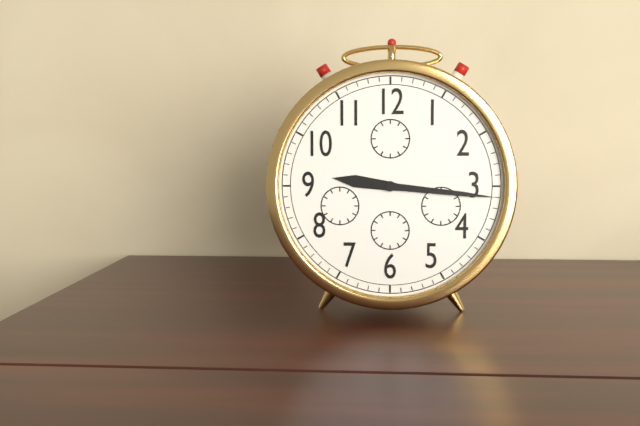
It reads **9:16**
